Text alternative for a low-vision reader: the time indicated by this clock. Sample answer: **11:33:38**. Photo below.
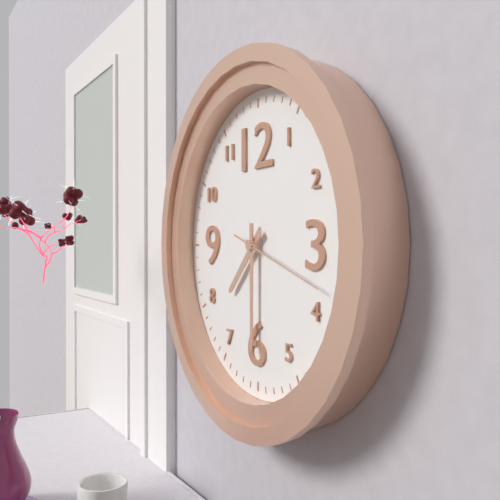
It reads **7:30:18**
